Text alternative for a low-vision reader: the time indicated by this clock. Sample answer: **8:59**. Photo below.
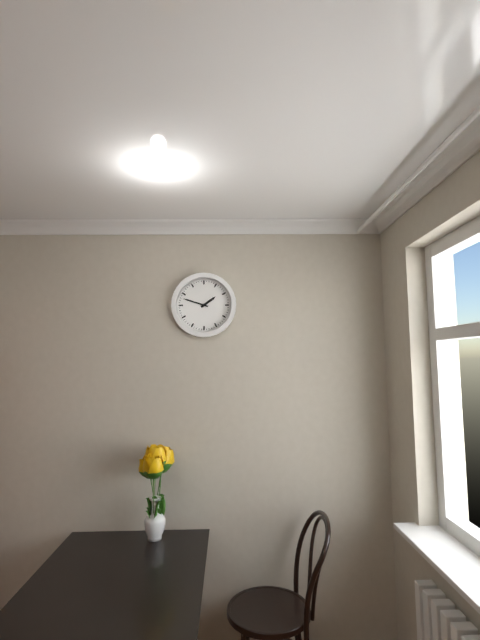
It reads **1:48**
